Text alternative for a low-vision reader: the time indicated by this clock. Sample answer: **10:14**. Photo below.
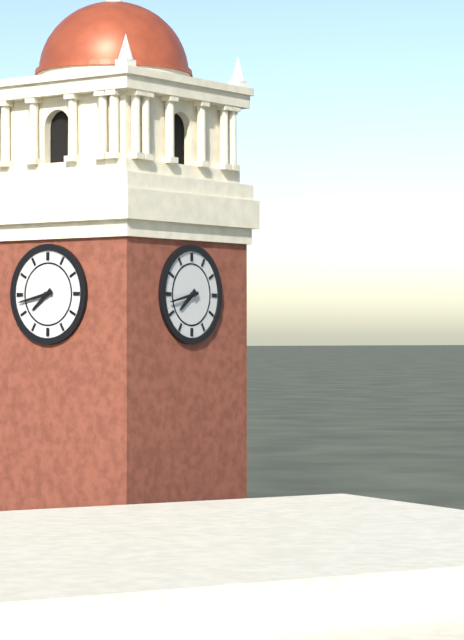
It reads **7:43**
